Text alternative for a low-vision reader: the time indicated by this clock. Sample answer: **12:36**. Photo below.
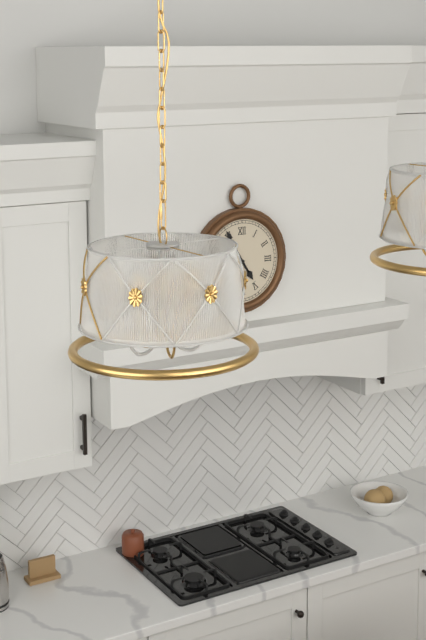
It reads **4:55**
